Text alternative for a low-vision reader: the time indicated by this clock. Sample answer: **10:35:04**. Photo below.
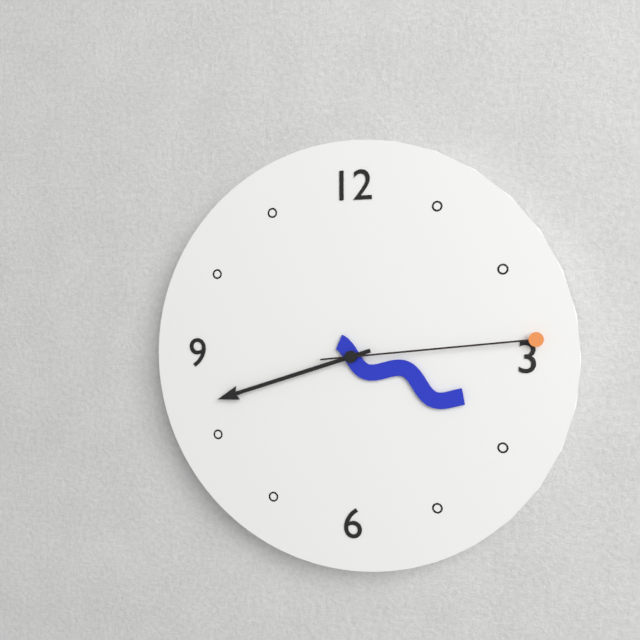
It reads **3:42:14**
